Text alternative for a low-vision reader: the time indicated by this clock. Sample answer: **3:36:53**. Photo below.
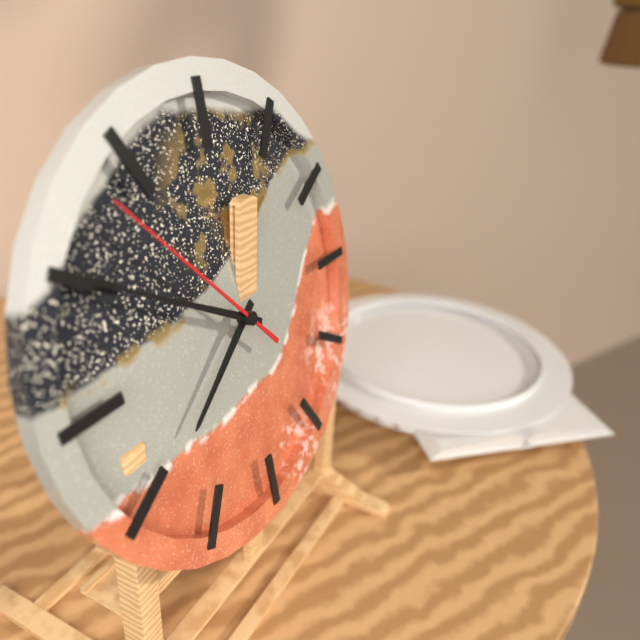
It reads **7:50:53**
